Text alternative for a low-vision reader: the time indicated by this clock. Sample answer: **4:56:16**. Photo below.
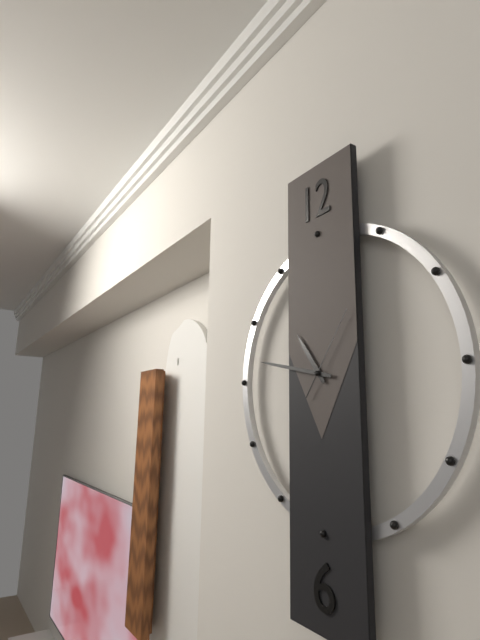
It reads **10:47:06**
